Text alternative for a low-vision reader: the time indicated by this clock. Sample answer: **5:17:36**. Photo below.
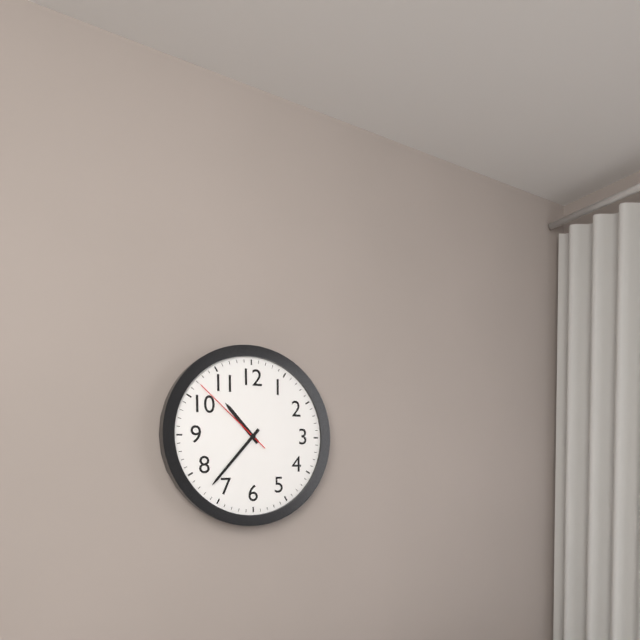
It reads **10:37:52**
